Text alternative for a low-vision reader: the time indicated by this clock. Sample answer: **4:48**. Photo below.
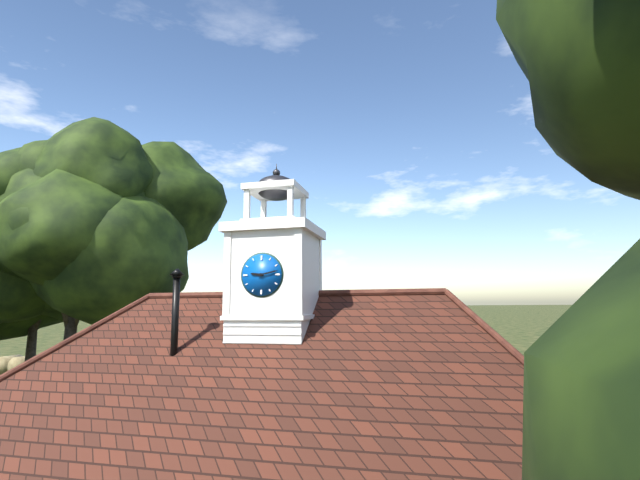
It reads **9:13**
